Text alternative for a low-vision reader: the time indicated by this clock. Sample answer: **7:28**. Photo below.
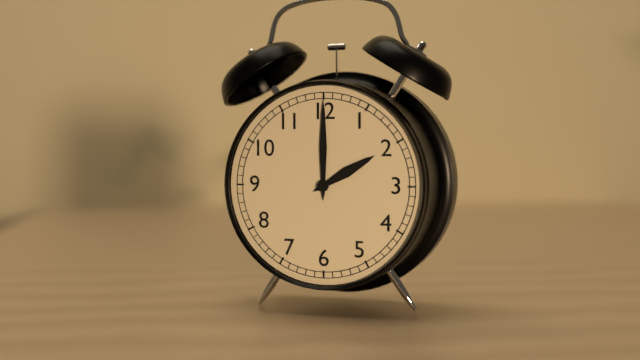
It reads **2:00**
